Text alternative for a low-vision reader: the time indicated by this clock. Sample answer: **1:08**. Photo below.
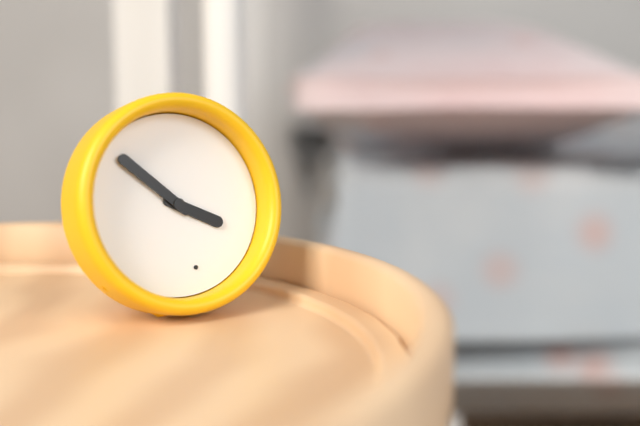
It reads **3:52**
